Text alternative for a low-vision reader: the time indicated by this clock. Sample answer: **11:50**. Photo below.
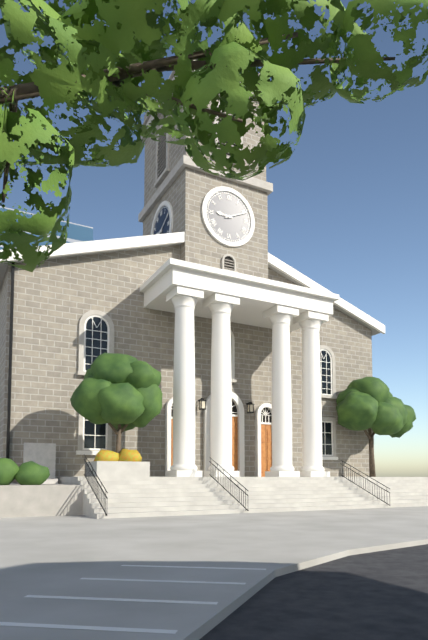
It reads **9:11**
